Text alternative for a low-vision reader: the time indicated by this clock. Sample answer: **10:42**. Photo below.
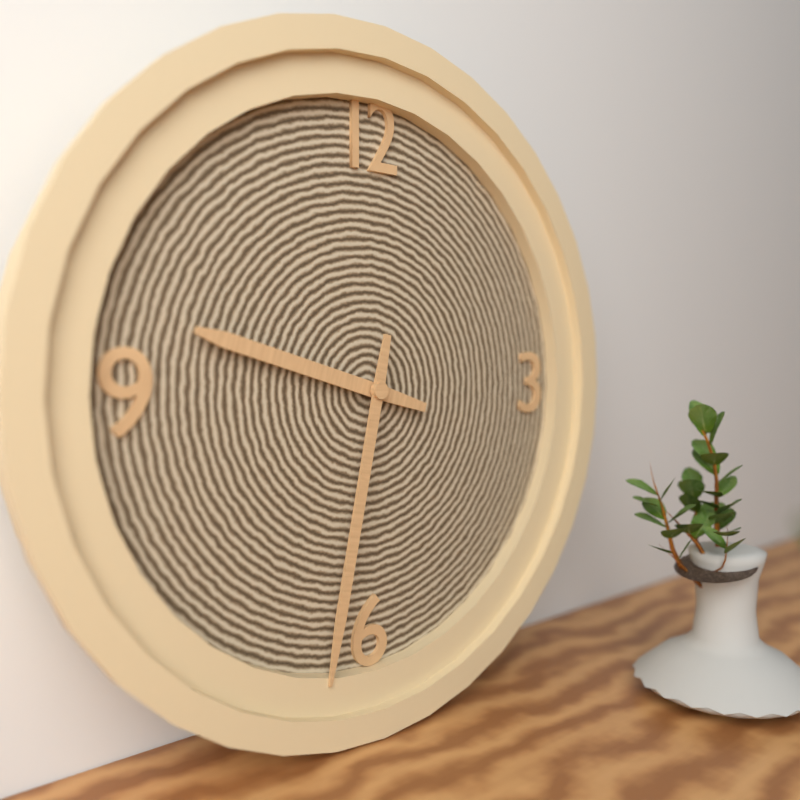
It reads **9:32**
